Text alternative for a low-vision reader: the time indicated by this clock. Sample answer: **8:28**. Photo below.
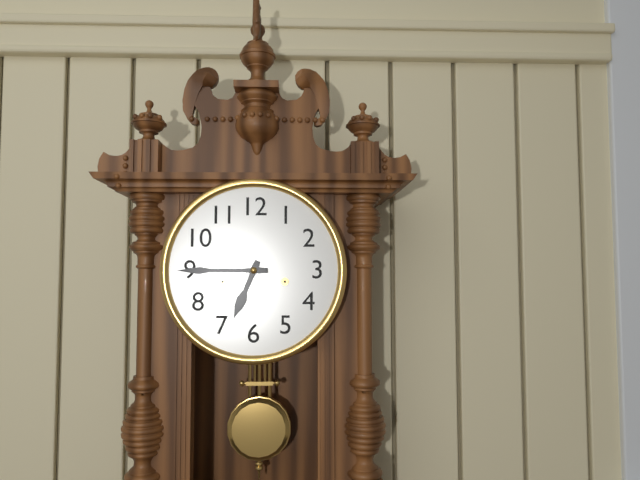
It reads **6:45**
